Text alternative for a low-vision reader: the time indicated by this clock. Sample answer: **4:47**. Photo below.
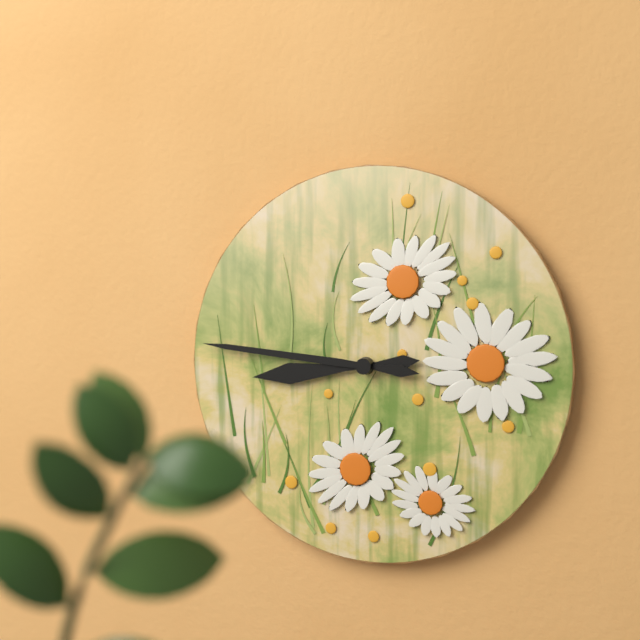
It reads **8:46**
